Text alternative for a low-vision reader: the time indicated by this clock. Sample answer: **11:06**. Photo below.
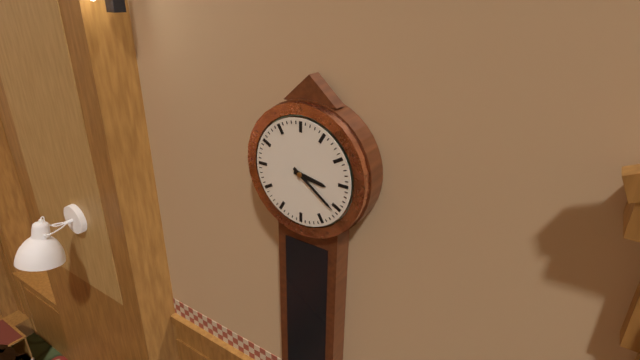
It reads **3:21**
